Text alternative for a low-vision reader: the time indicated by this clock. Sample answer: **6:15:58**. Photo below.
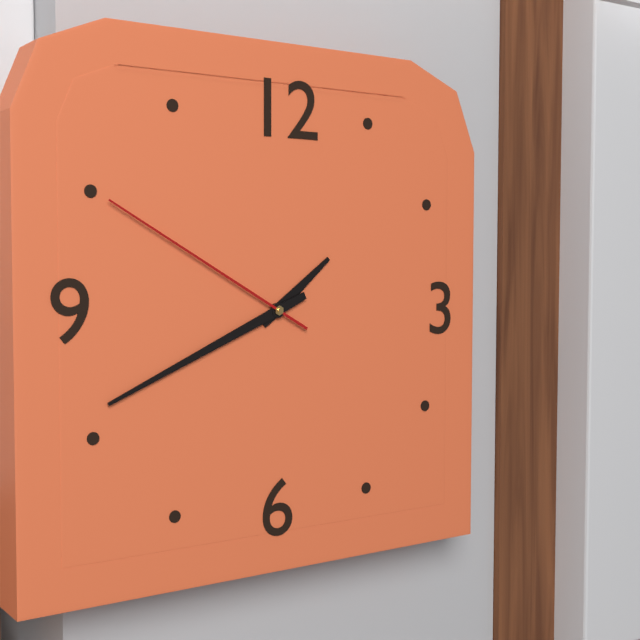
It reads **1:41:50**
